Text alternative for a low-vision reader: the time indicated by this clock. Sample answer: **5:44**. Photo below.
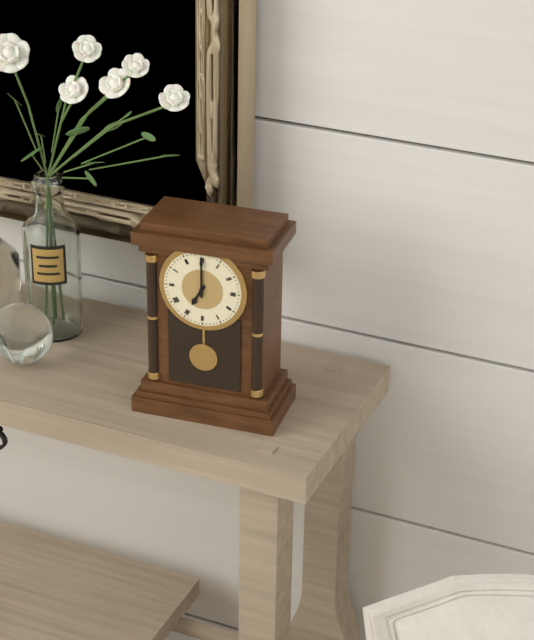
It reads **7:00**
